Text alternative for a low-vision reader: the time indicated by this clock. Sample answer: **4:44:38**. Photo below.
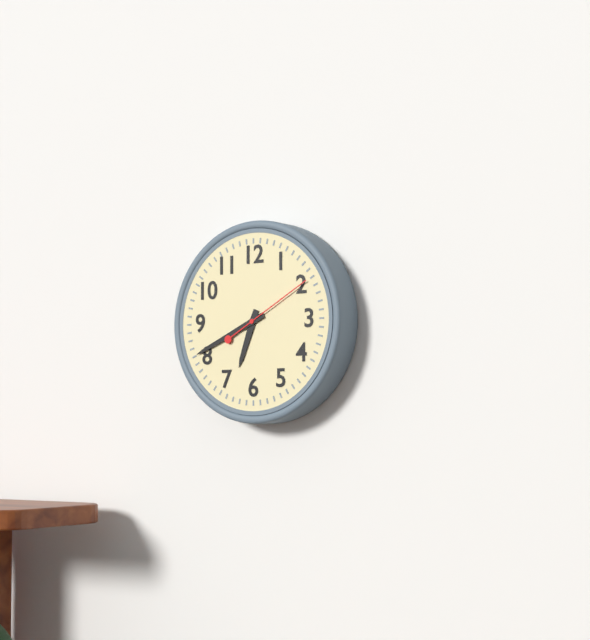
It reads **6:41:10**
